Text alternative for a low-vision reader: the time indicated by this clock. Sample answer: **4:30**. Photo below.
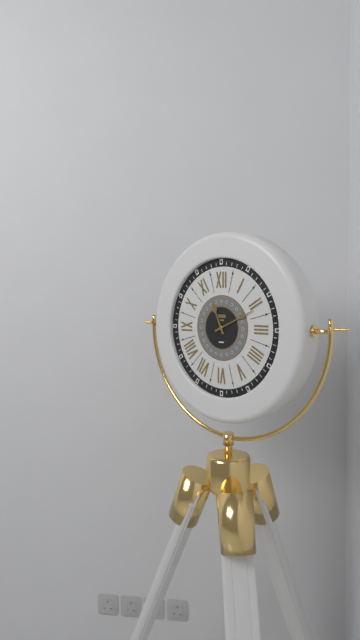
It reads **11:11**
